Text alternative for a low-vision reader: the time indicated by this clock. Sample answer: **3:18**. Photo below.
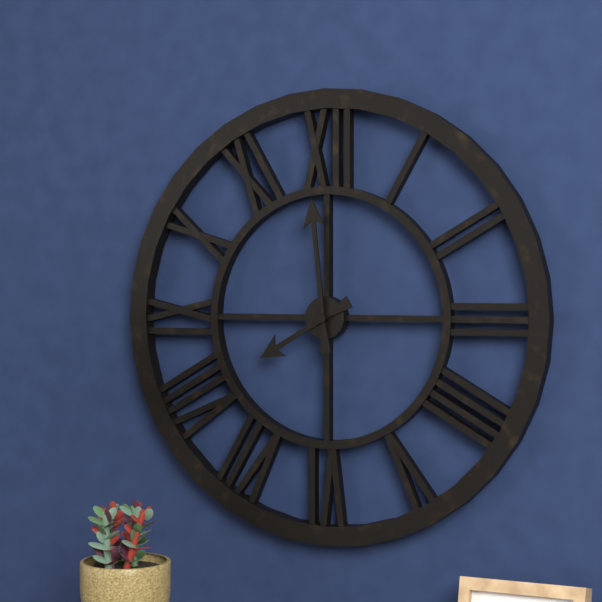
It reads **7:59**
